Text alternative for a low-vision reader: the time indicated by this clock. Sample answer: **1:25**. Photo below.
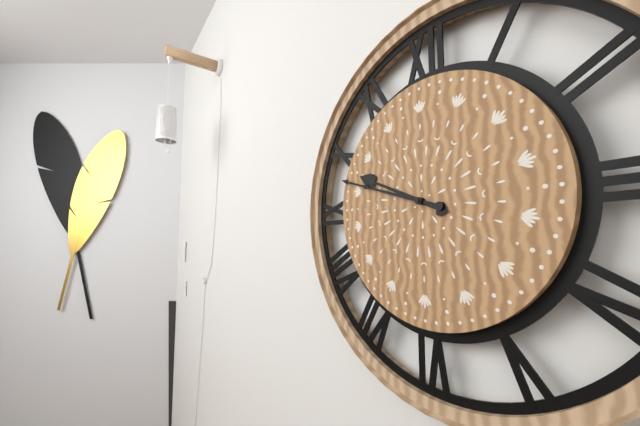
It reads **9:48**
